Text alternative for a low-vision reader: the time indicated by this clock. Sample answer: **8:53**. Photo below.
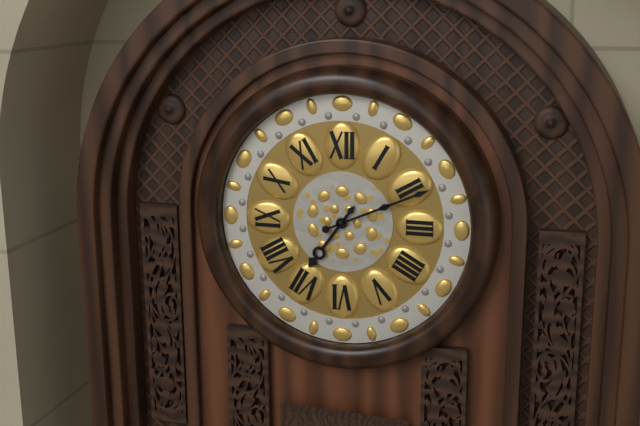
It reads **7:11**
